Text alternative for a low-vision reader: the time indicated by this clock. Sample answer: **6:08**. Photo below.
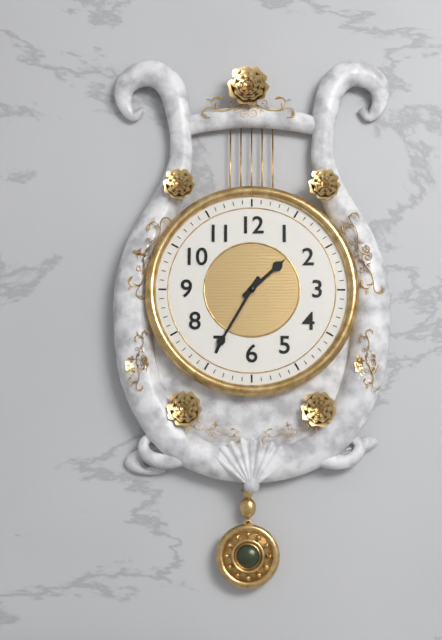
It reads **1:35**
